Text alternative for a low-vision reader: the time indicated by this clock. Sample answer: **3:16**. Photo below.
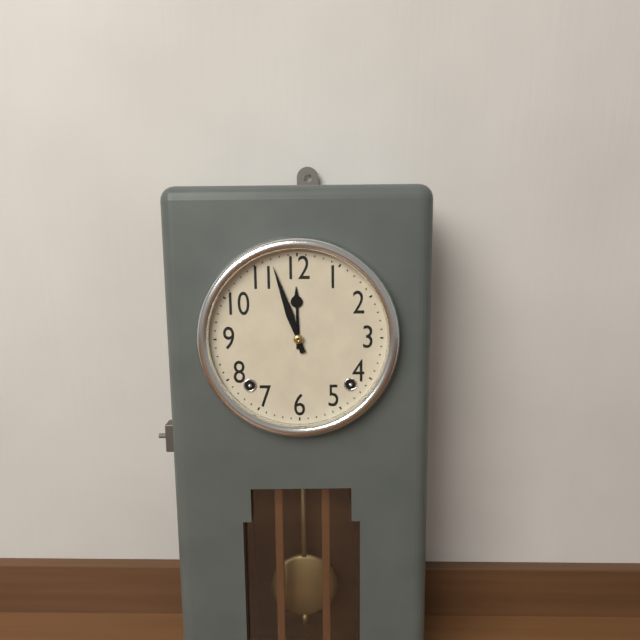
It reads **11:57**
